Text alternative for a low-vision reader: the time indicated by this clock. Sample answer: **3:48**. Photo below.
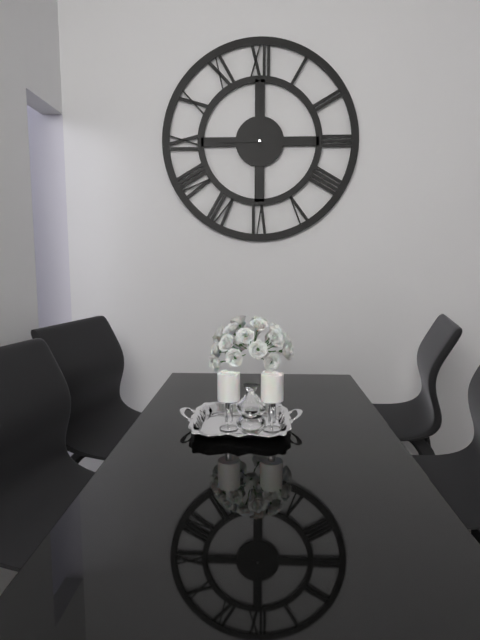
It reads **9:00**
